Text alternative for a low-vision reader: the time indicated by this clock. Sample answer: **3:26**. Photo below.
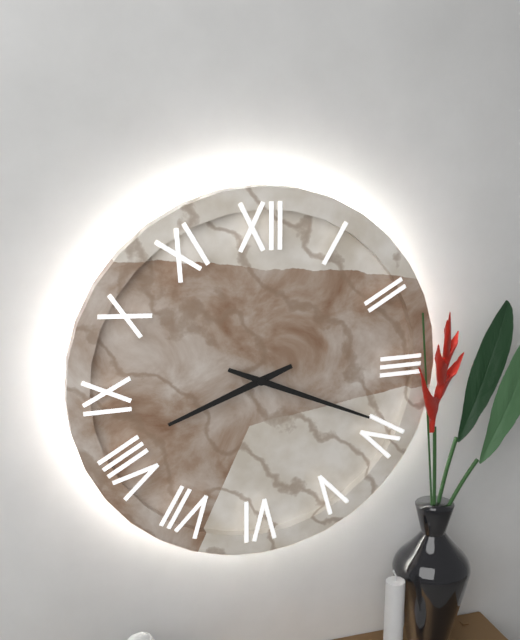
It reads **8:19**
